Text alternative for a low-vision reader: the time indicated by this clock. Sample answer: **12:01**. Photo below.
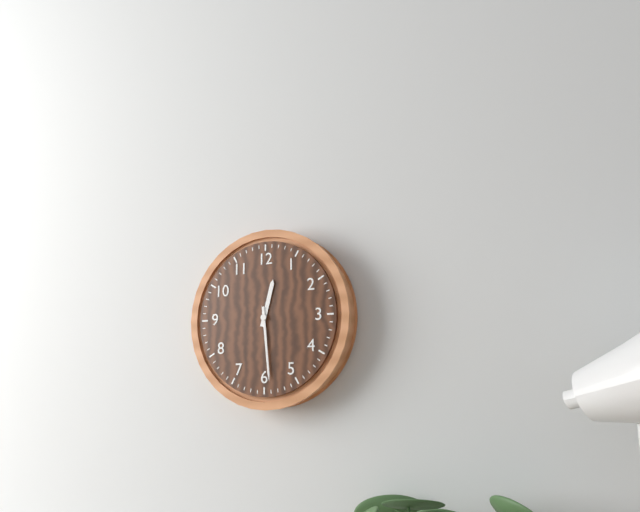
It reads **12:29**
